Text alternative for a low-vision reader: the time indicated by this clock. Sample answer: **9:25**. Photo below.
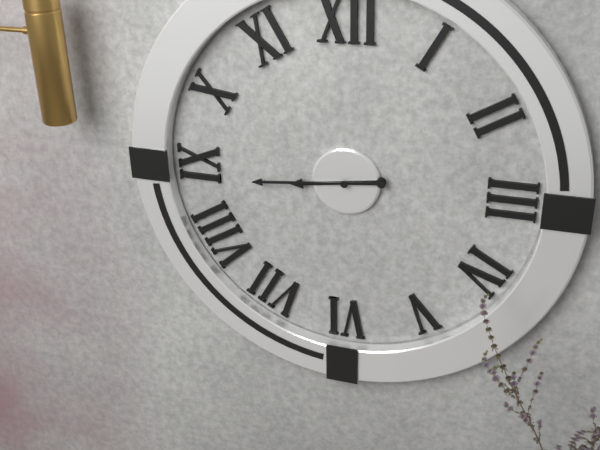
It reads **8:44**
